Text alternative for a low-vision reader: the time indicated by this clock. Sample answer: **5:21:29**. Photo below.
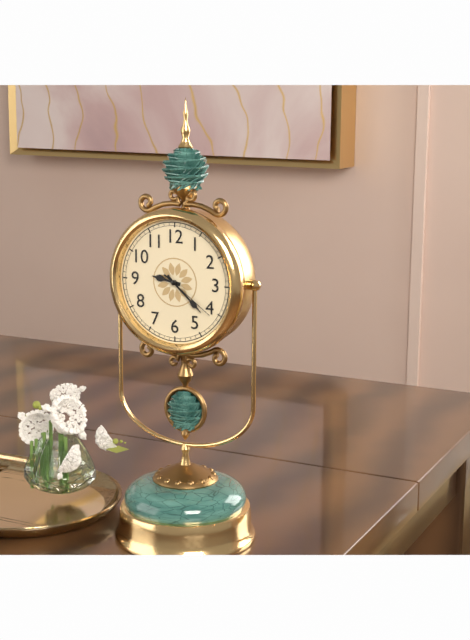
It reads **9:22:21**
